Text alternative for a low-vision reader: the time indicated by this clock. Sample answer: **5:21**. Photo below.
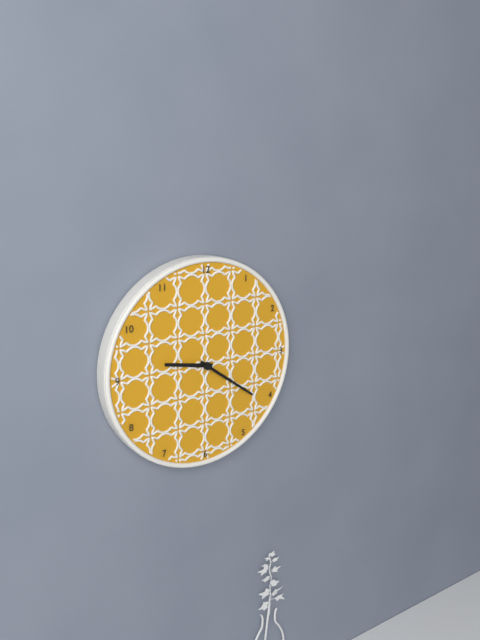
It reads **9:21**
